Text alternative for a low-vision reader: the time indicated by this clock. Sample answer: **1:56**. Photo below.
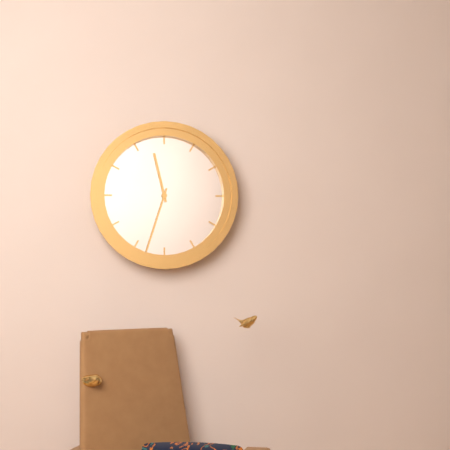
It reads **11:33**
